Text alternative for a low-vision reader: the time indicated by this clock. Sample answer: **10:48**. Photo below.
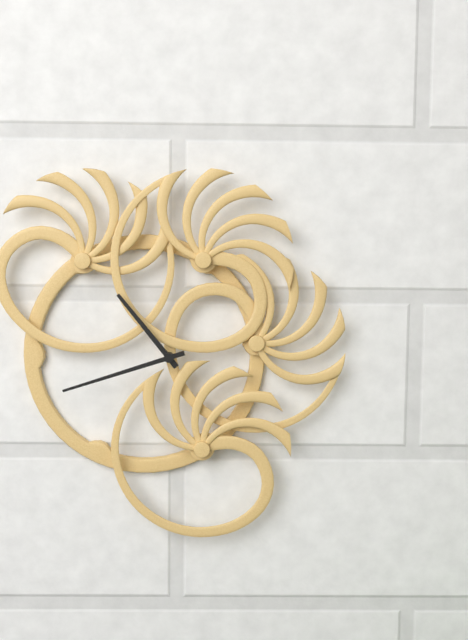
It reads **10:42**
